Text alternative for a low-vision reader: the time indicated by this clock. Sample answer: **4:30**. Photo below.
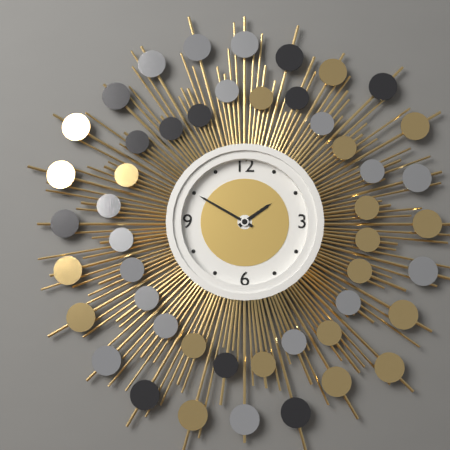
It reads **1:50**
